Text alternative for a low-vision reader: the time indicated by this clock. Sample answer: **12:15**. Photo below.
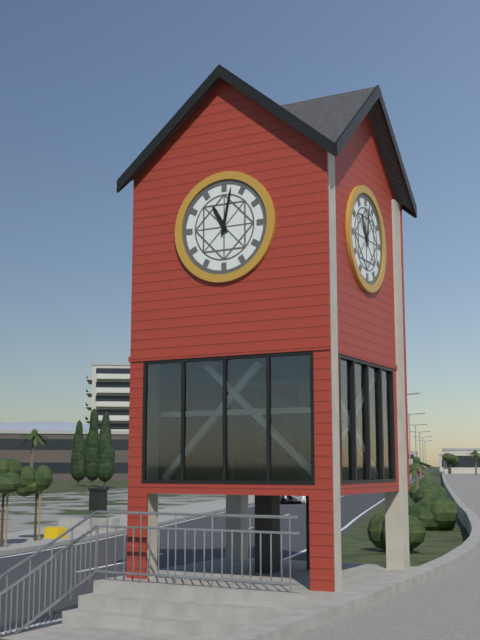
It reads **11:02**
